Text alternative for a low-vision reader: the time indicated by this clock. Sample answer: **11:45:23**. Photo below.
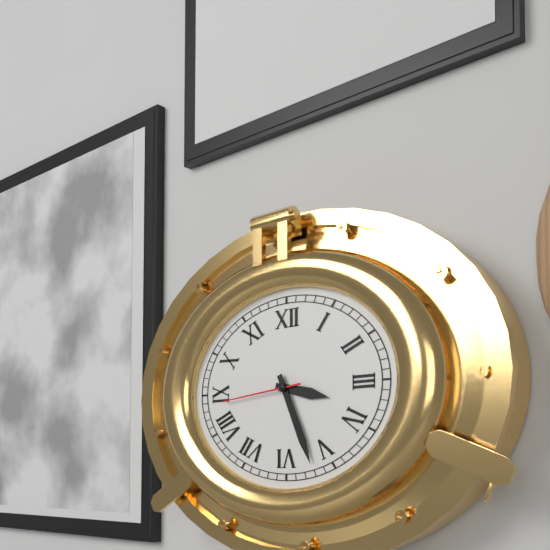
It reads **3:26:44**
